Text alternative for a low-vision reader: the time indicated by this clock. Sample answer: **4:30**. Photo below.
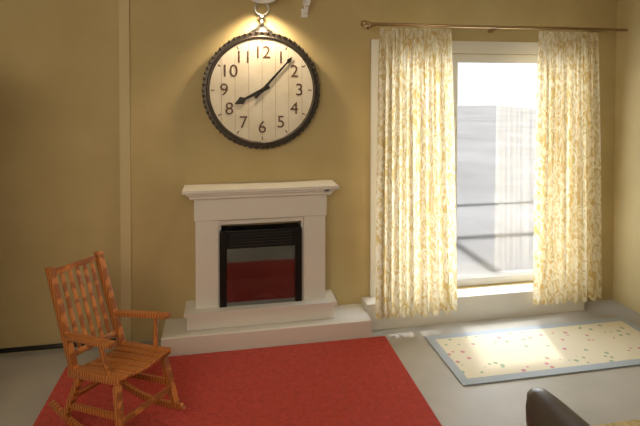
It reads **8:07**
